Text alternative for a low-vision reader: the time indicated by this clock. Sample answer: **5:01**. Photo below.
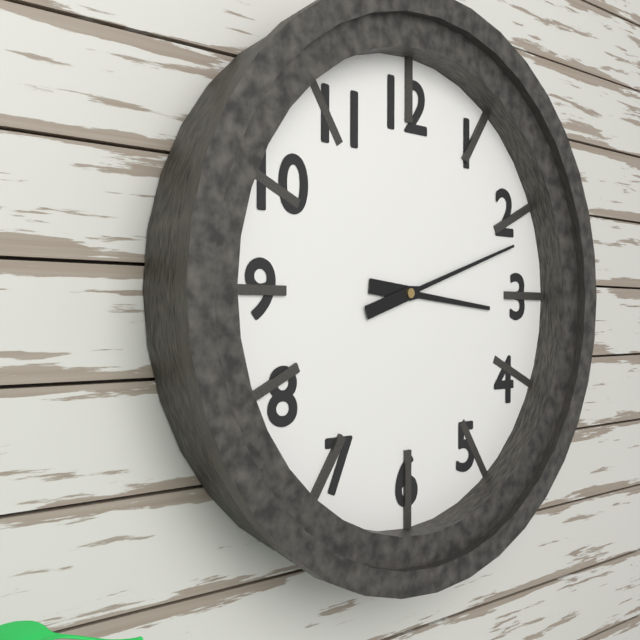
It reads **3:12**
